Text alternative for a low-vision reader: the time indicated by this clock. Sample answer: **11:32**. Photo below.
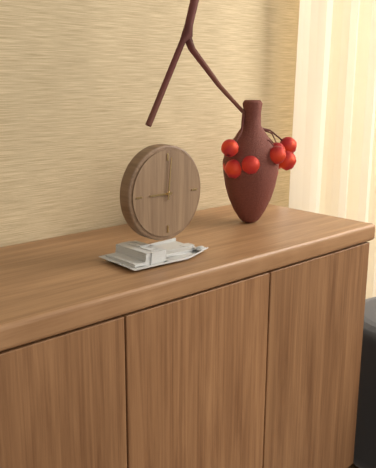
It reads **9:01**
